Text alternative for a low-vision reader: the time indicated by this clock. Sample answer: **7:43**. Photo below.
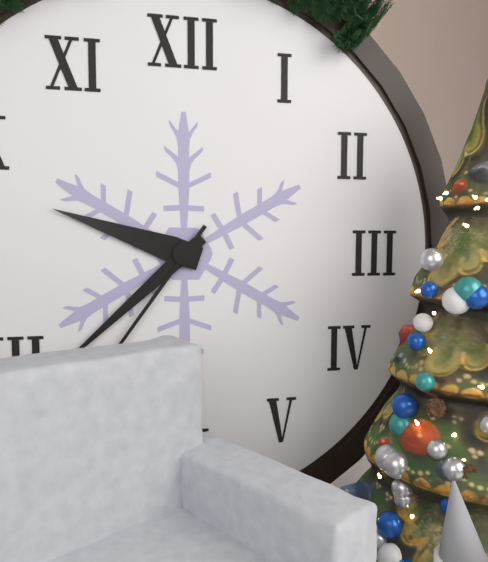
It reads **9:38**
